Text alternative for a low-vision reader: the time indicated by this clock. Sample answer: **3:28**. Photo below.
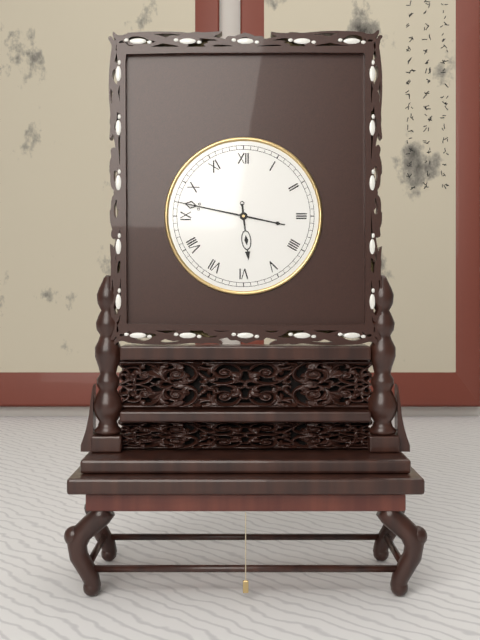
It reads **5:47**
